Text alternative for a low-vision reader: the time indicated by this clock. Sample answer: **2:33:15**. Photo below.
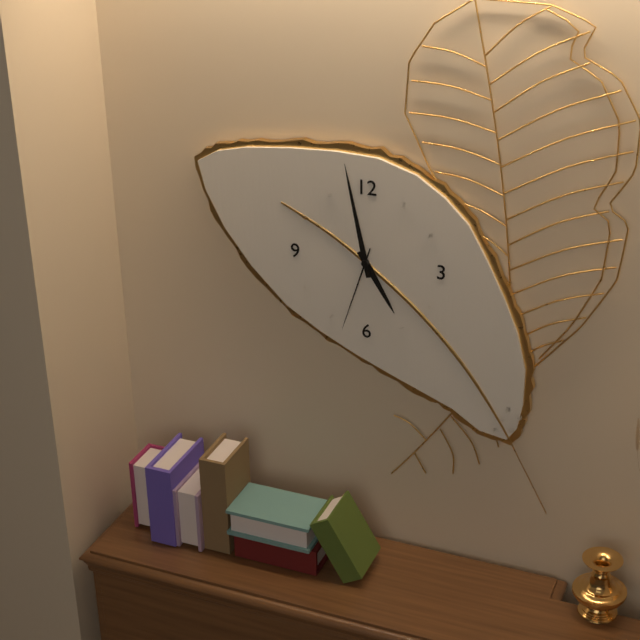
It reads **4:58:33**
